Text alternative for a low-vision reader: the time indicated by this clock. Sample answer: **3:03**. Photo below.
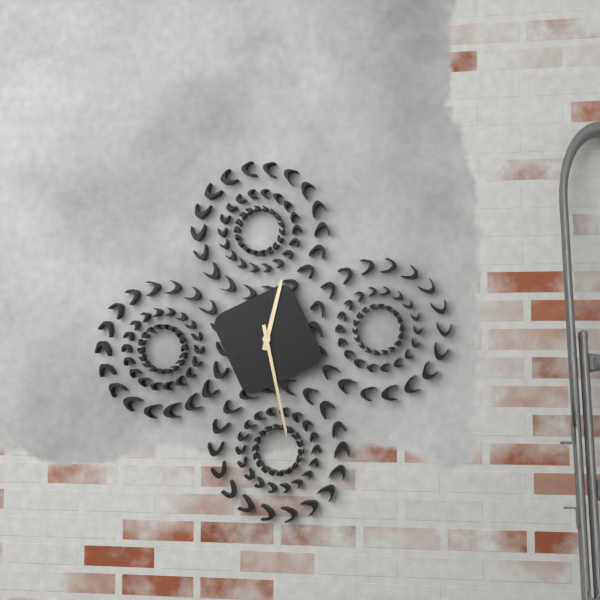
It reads **12:28**
